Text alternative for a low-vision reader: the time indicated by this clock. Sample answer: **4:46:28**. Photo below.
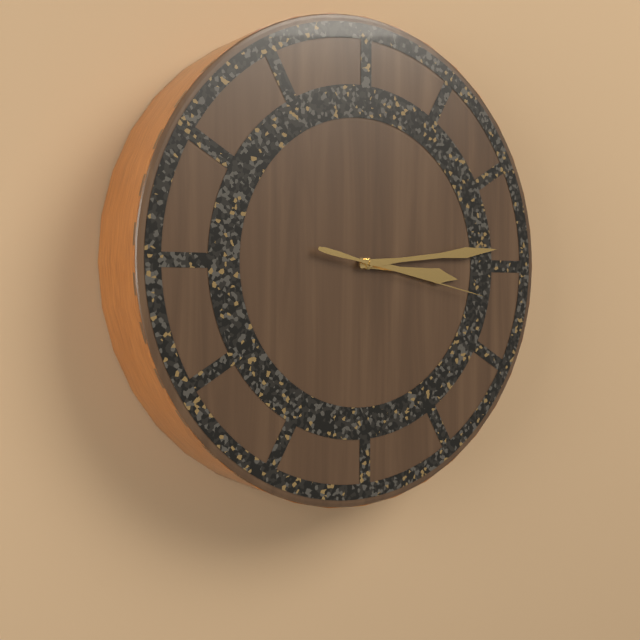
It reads **3:14:17**
